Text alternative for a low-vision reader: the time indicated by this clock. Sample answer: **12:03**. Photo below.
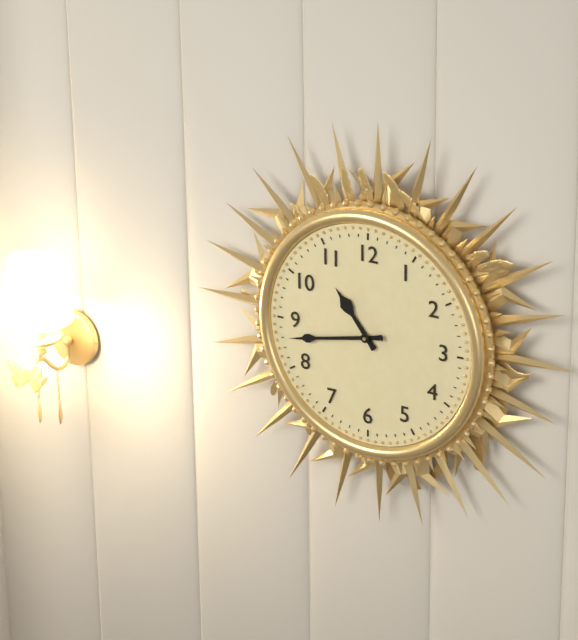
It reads **10:43**
